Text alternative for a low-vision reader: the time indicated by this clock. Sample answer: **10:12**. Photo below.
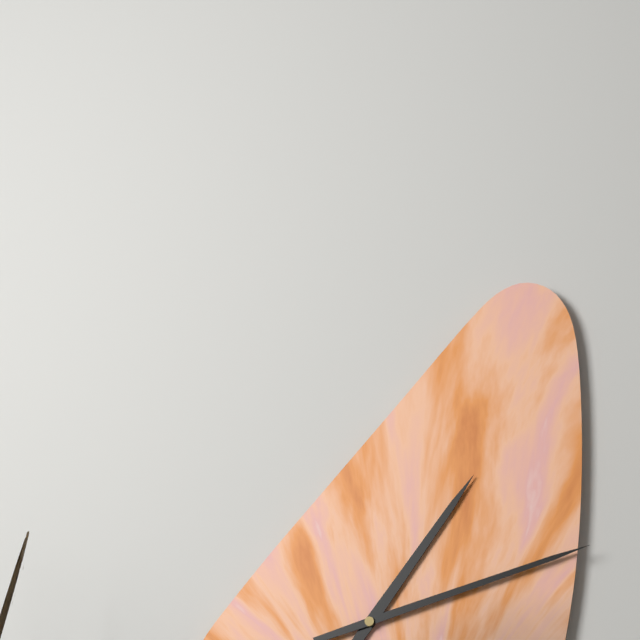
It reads **1:12**
